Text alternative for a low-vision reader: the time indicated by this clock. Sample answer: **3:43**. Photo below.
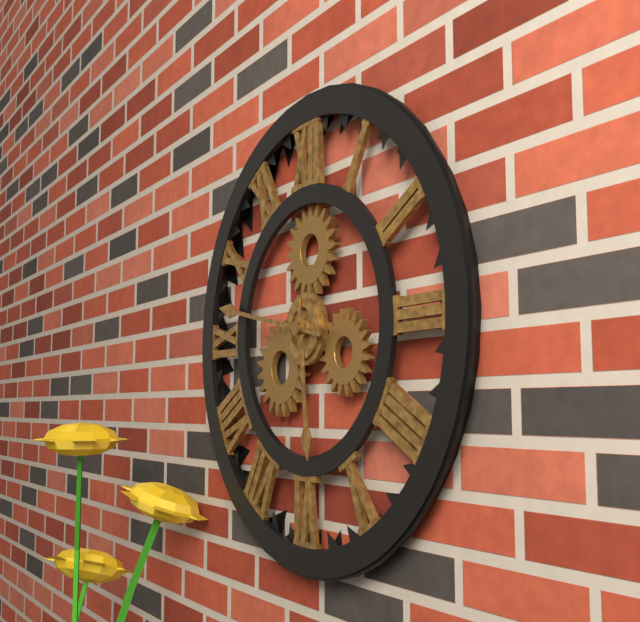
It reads **5:47**
